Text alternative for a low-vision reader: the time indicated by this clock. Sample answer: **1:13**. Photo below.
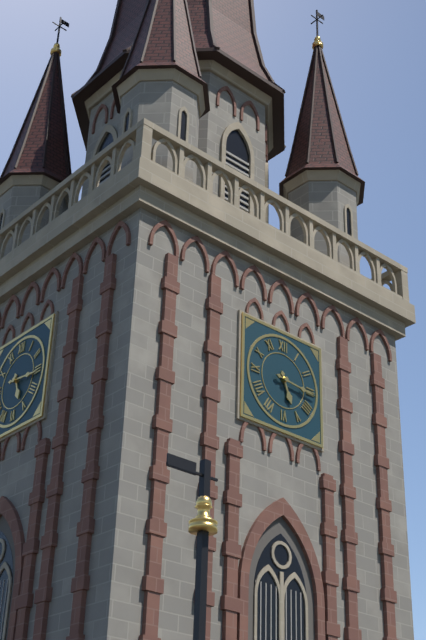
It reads **5:16**
